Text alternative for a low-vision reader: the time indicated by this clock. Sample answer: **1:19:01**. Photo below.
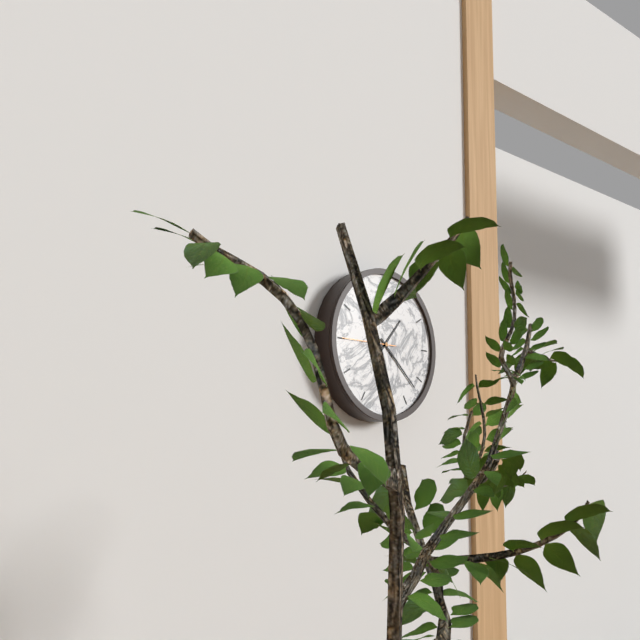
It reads **1:22:45**
